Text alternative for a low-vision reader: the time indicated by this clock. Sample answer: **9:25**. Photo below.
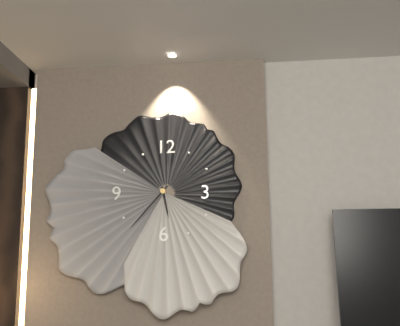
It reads **5:37**
